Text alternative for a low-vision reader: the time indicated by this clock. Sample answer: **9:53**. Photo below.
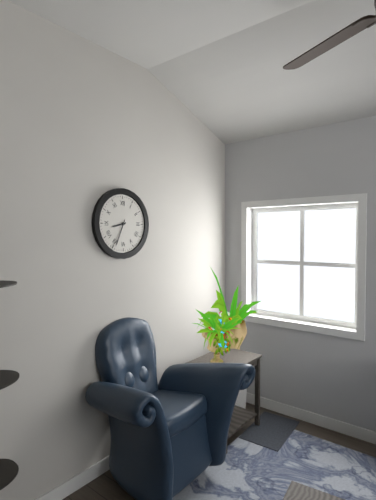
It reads **8:34**
